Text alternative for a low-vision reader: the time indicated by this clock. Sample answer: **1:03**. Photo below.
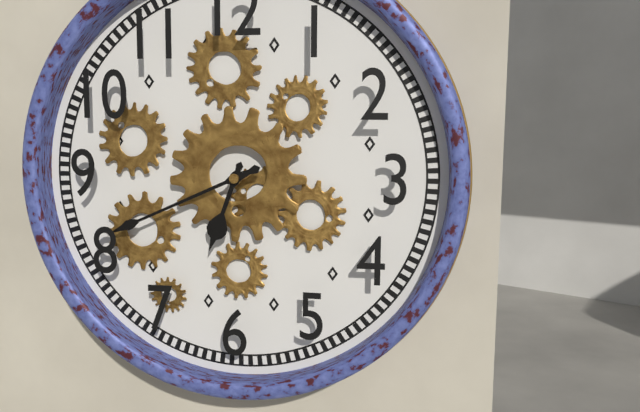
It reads **6:41**
